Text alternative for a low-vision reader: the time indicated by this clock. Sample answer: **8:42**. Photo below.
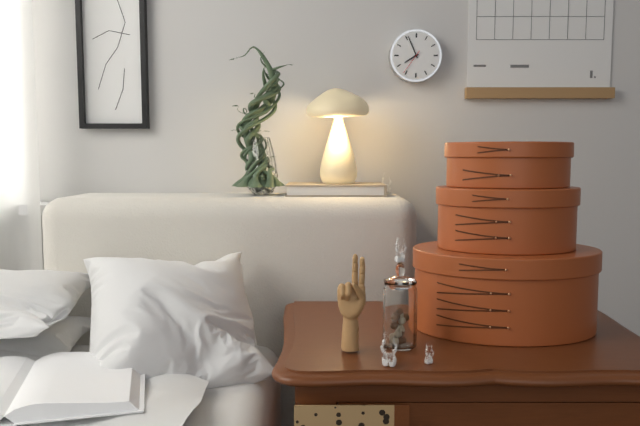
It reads **7:56**
